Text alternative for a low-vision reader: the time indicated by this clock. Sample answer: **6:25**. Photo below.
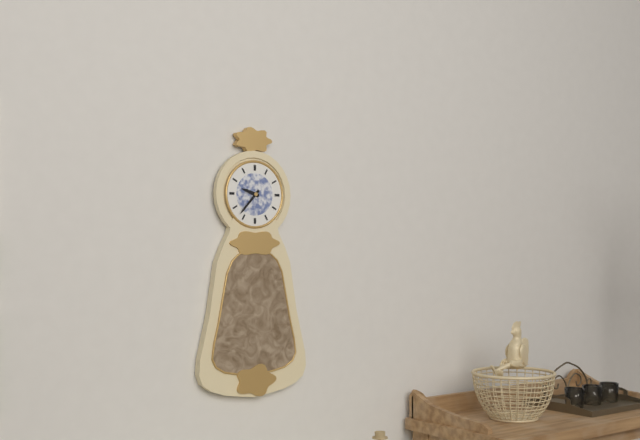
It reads **9:37**
